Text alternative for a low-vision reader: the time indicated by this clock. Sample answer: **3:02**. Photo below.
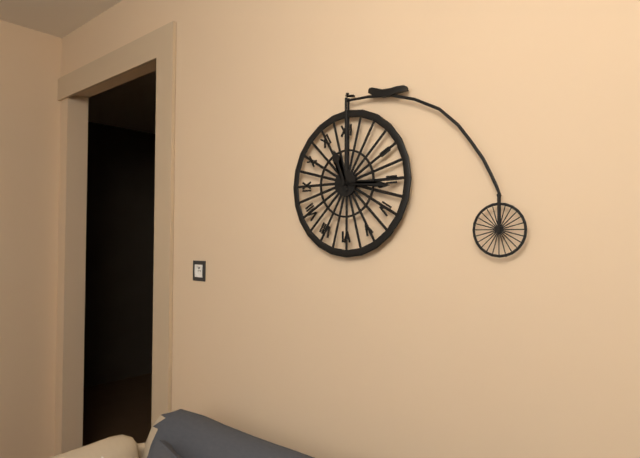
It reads **11:16**
